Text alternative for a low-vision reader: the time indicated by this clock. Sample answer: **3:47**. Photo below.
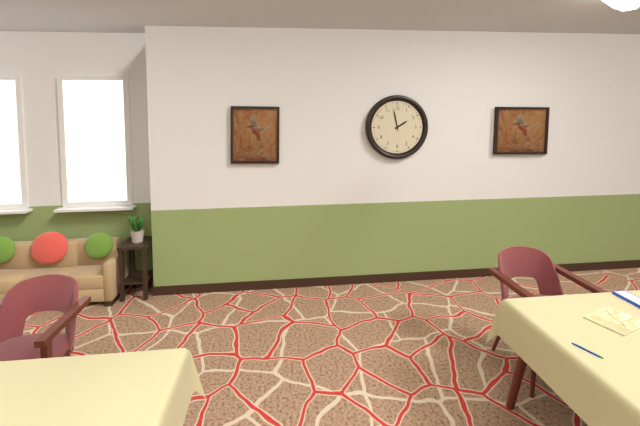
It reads **1:58**
